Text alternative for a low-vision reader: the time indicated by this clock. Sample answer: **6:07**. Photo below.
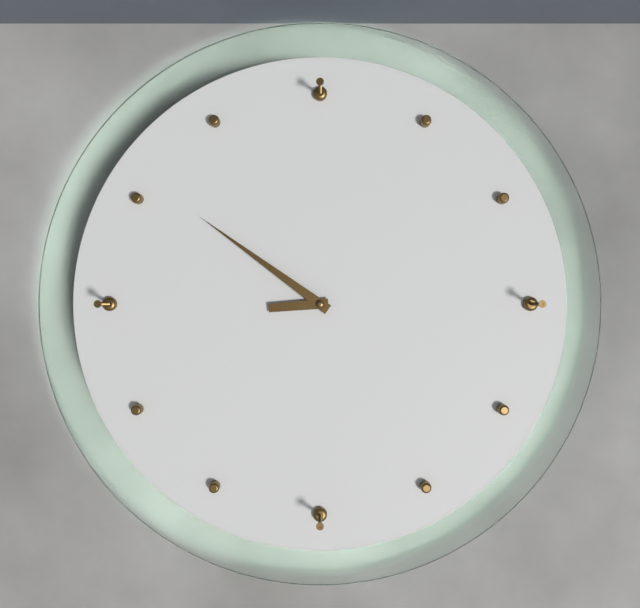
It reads **8:51**
